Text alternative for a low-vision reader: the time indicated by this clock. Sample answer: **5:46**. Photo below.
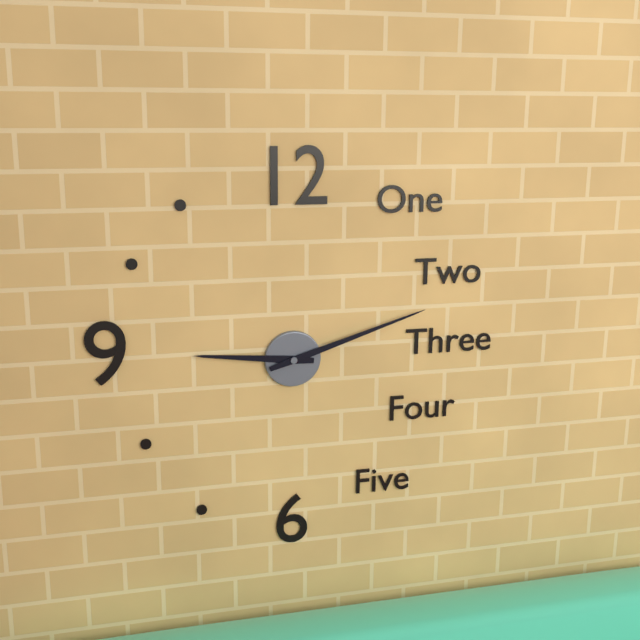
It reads **9:12**
